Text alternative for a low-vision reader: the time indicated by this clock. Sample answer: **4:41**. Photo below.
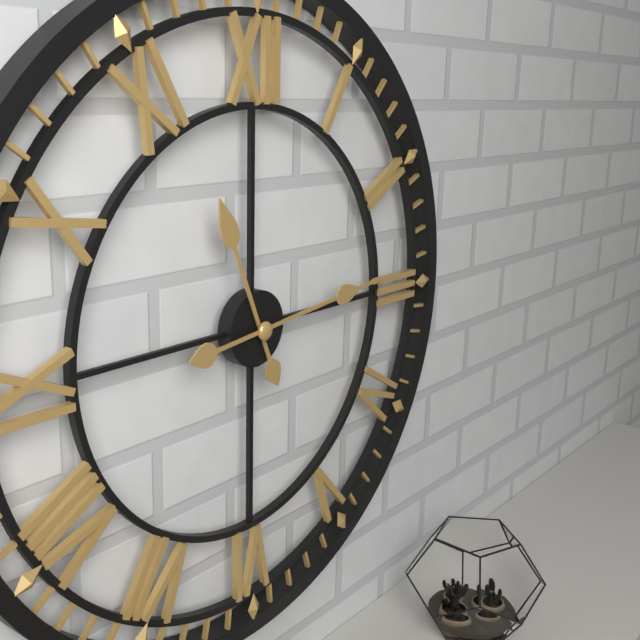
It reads **11:14**
